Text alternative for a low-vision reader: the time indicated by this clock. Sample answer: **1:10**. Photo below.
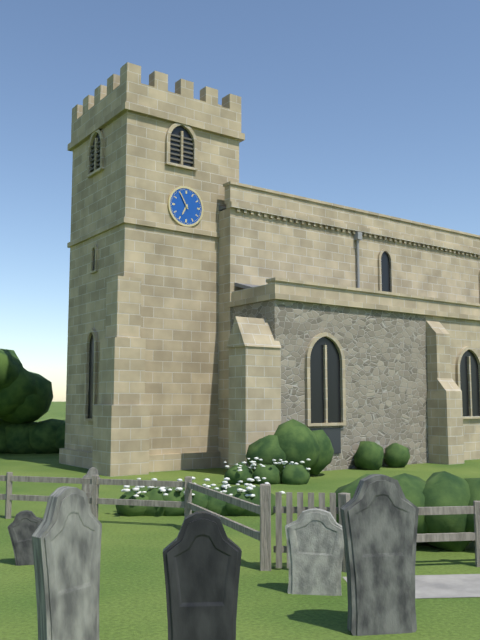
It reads **6:55**
